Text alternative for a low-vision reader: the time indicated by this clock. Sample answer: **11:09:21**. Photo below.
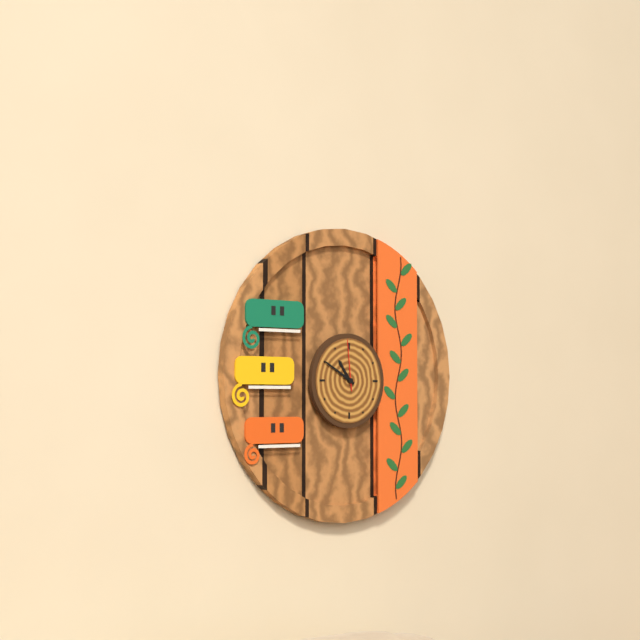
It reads **10:50:59**
